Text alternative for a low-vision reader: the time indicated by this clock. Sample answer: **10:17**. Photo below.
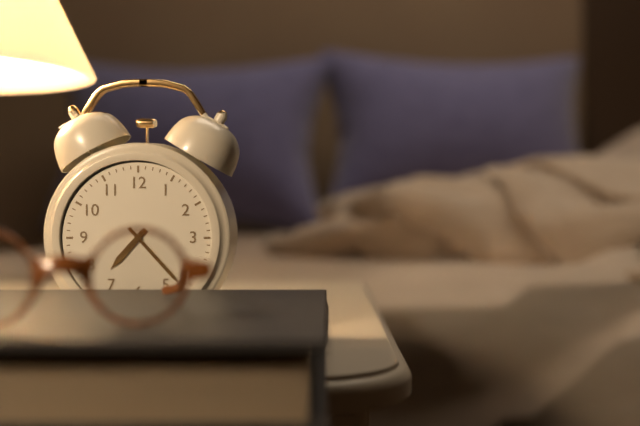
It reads **7:23**
